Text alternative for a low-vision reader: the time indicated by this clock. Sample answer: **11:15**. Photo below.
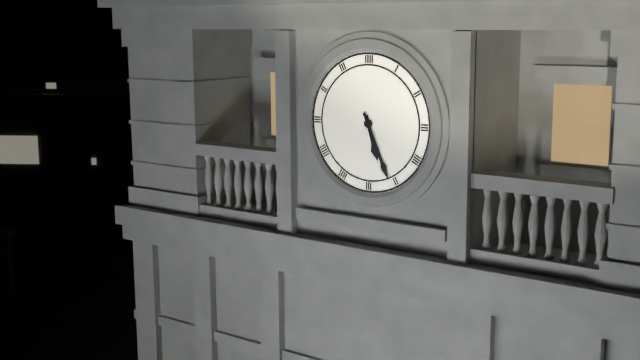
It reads **5:26**
